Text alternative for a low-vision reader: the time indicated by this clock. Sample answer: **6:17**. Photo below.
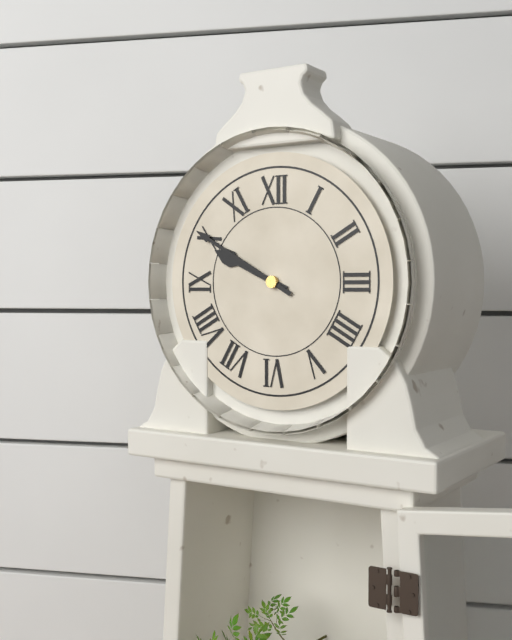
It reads **9:50**
